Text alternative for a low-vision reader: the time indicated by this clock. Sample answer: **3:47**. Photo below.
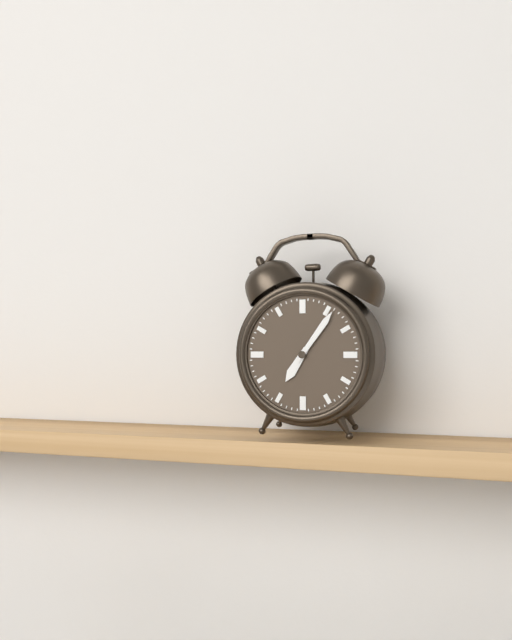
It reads **7:06**
